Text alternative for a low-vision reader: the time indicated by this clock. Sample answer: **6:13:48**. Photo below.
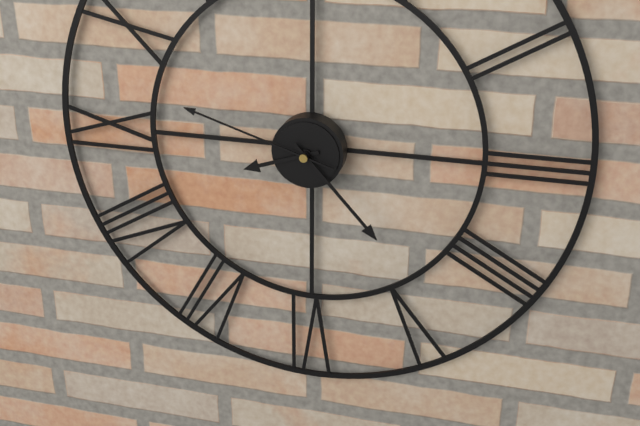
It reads **8:23:48**
